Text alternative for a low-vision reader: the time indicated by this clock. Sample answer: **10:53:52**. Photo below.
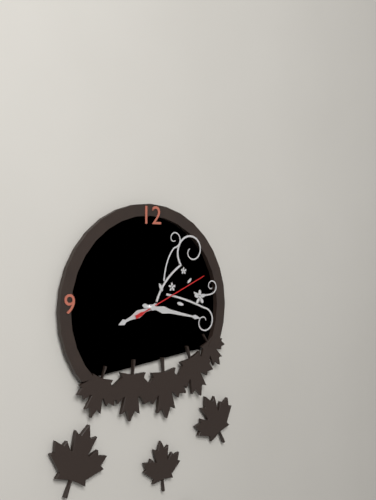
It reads **8:17:11**
